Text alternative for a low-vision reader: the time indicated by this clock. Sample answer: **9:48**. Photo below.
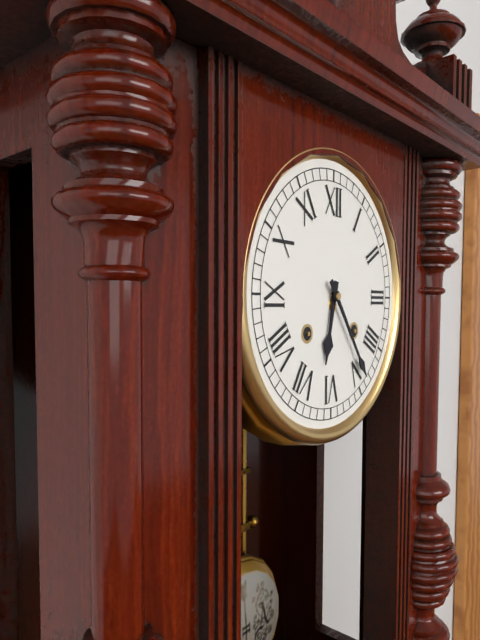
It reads **6:24**
